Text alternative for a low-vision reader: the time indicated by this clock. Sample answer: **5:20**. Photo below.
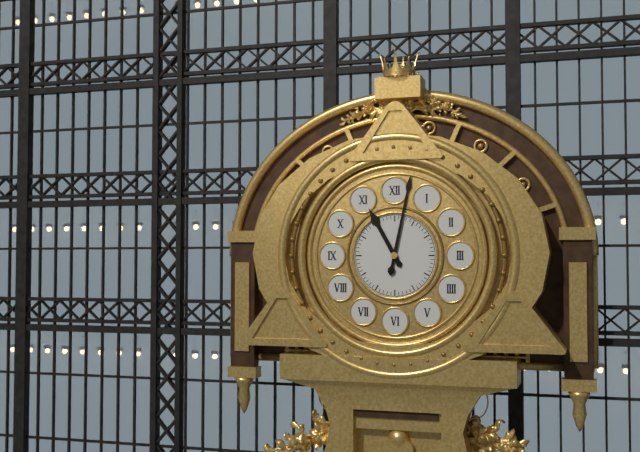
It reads **11:02**
